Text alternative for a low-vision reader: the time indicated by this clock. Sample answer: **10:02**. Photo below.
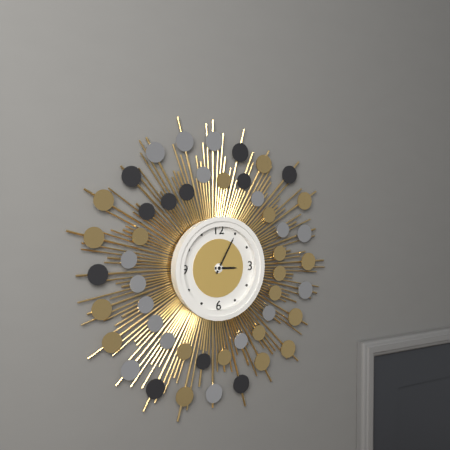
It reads **3:05**
